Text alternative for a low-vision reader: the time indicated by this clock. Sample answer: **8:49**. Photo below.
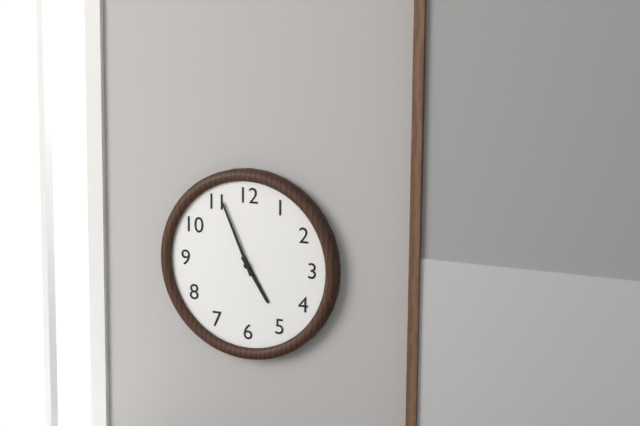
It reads **4:56**
